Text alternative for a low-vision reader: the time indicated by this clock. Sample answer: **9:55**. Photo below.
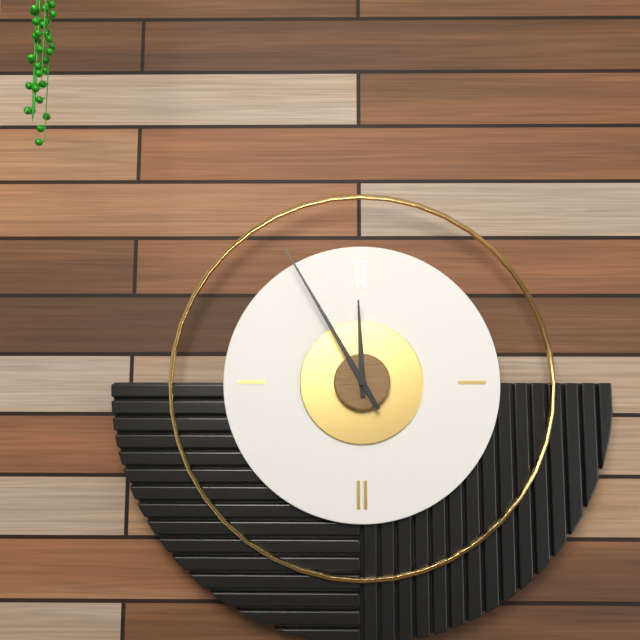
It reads **11:55**
